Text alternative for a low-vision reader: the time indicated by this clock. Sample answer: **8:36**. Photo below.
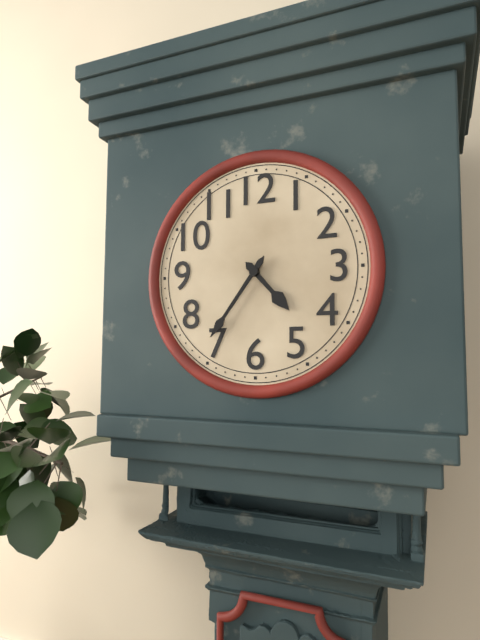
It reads **4:36**
